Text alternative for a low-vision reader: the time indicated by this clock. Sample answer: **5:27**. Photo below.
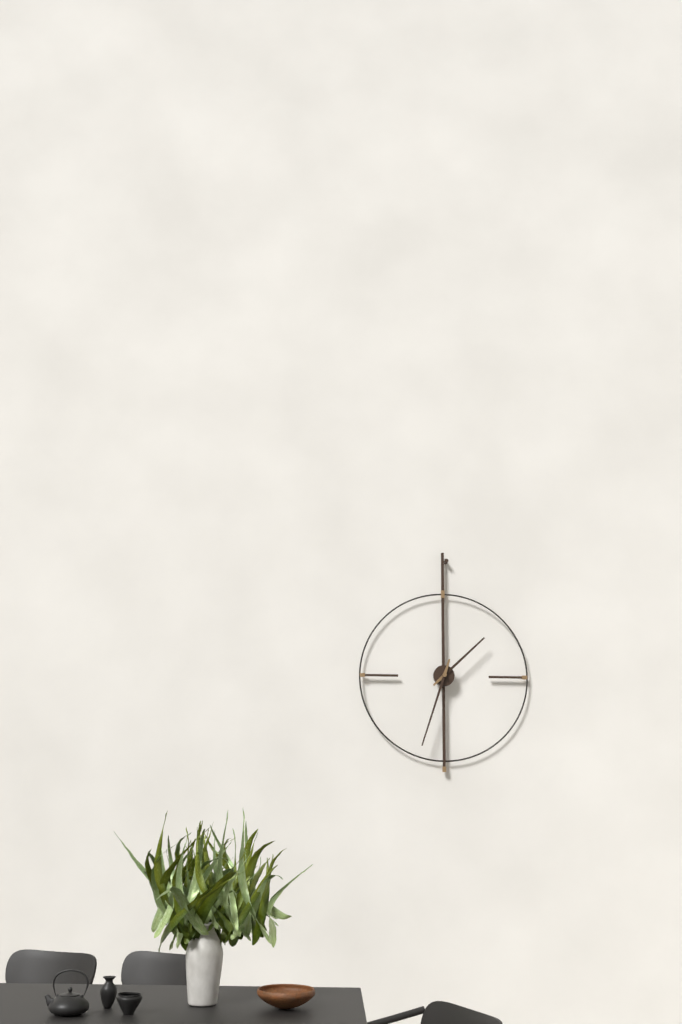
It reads **1:33**
